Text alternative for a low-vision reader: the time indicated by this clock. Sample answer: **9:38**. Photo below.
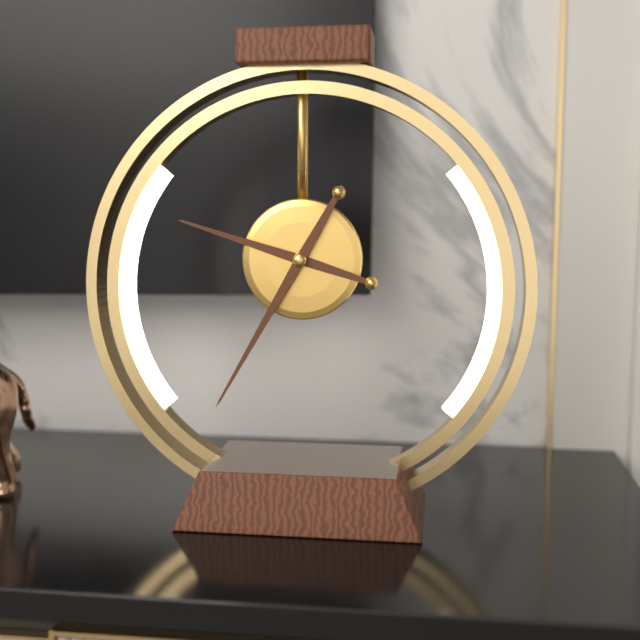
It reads **9:35**
